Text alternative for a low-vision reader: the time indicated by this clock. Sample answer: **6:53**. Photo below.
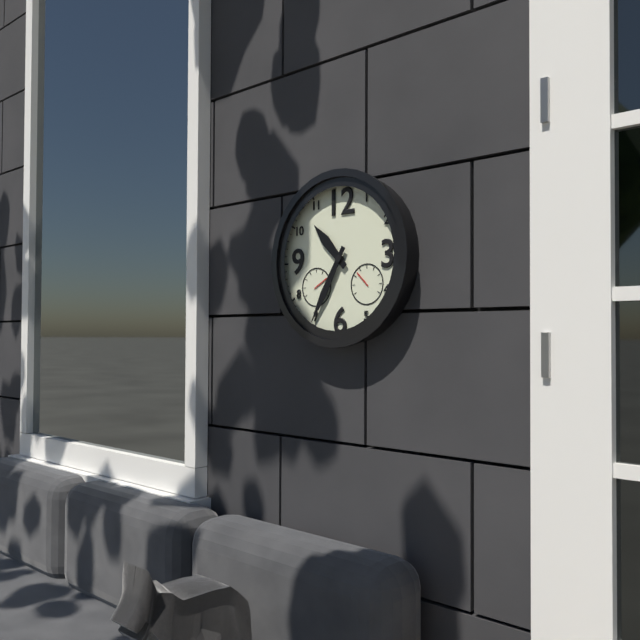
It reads **10:35**
